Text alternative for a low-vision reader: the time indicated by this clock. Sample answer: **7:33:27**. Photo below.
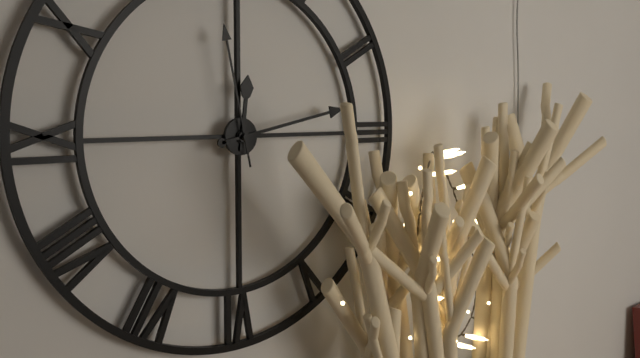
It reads **12:13:58**
